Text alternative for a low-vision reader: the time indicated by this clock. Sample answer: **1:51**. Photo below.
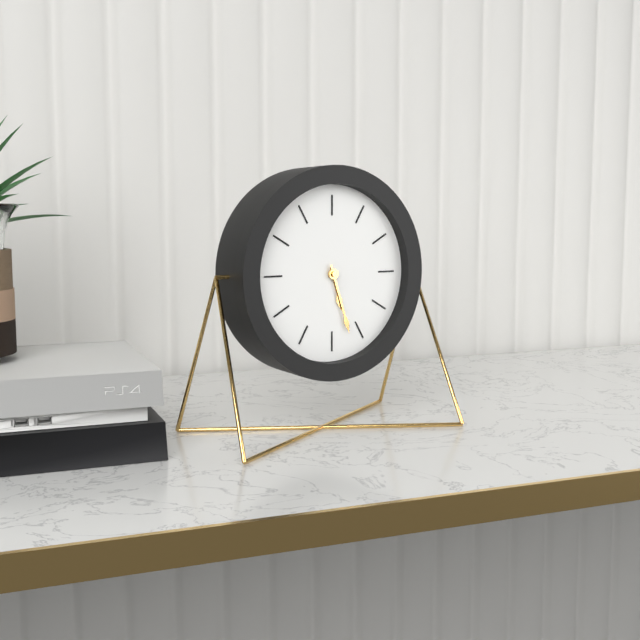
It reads **5:27**
